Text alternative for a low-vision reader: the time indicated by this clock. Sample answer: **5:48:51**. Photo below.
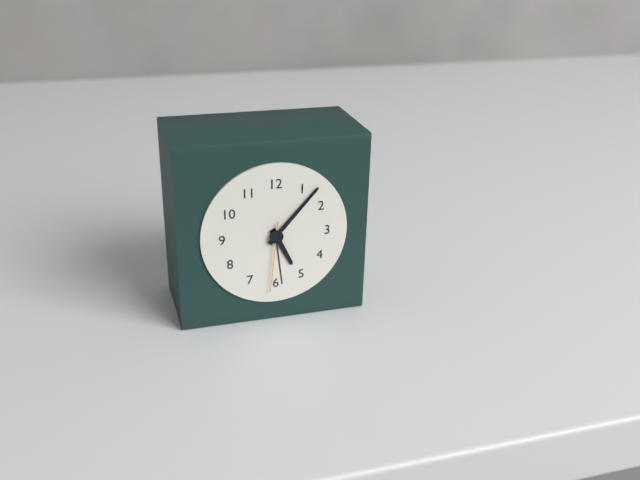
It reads **5:07:31**
